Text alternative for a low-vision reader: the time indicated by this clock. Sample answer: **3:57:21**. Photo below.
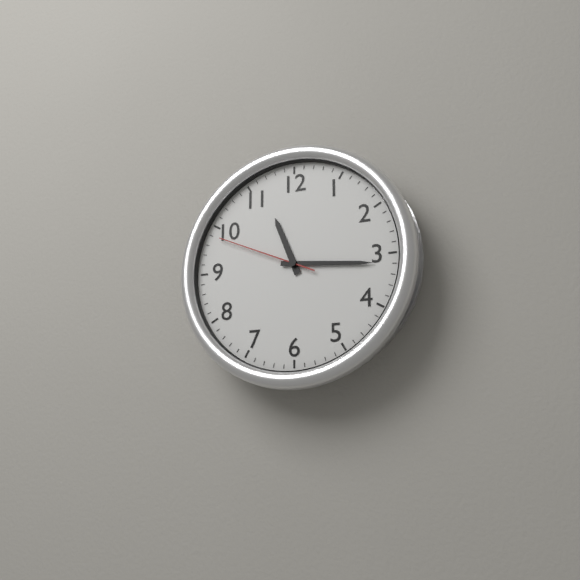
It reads **11:16:49**
